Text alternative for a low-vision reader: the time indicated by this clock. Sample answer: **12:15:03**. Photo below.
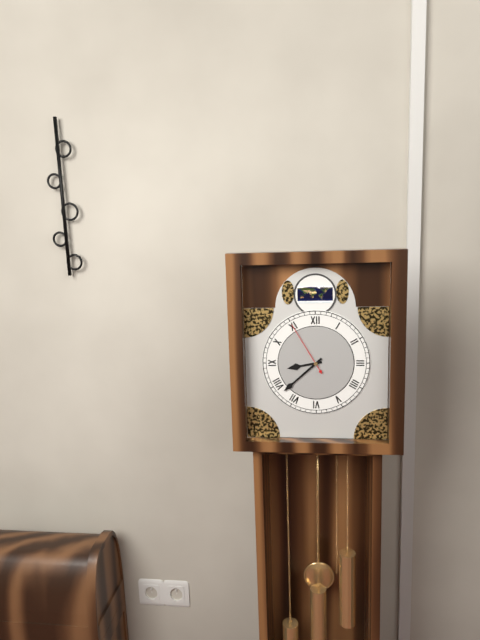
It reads **8:38:55**
